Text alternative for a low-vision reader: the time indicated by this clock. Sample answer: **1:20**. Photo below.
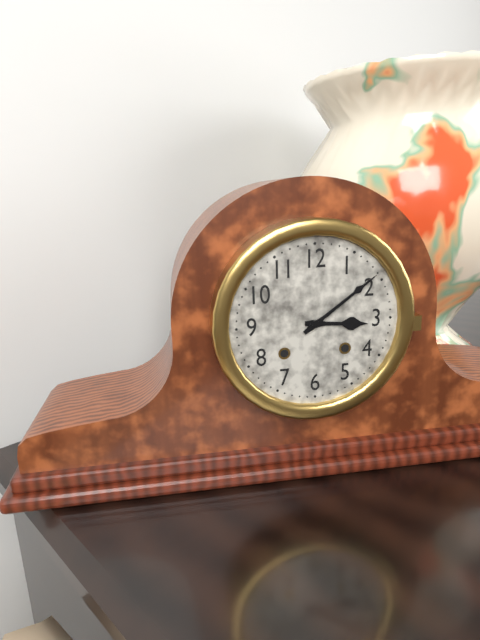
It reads **3:09**
